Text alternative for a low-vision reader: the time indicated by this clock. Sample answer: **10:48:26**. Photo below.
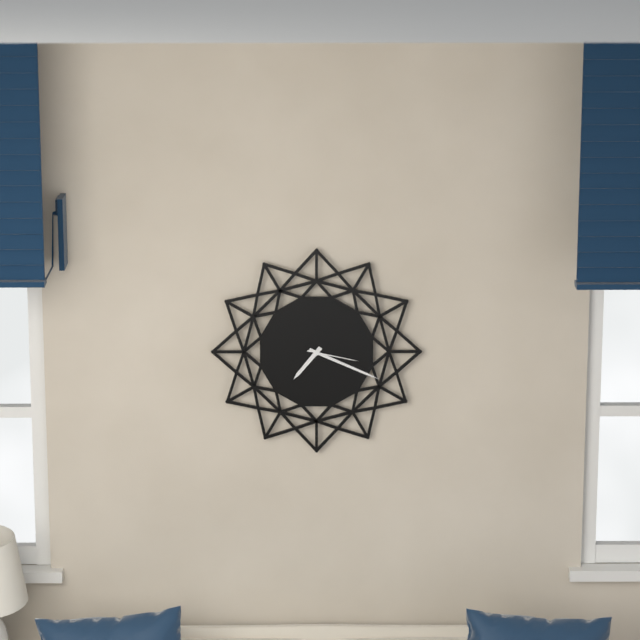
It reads **7:19:17**
